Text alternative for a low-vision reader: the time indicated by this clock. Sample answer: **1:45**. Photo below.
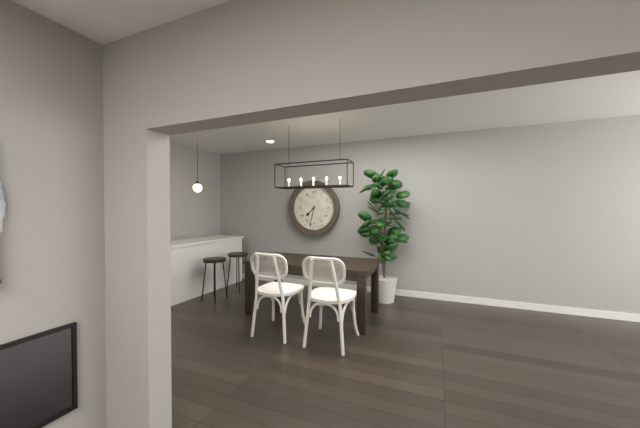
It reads **7:32**
